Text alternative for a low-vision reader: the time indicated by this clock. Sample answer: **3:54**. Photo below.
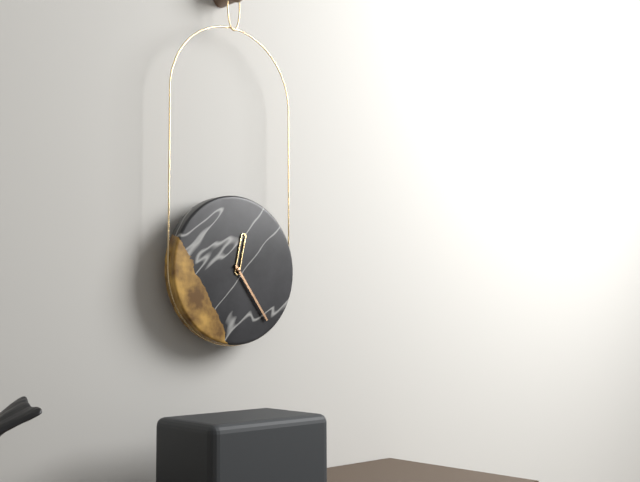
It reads **12:24**
